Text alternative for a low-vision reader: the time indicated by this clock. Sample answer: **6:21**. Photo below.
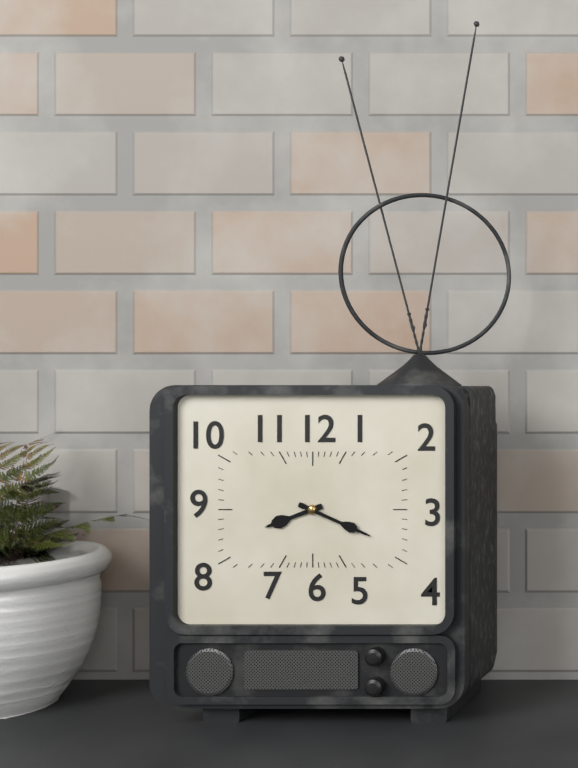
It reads **8:19**
